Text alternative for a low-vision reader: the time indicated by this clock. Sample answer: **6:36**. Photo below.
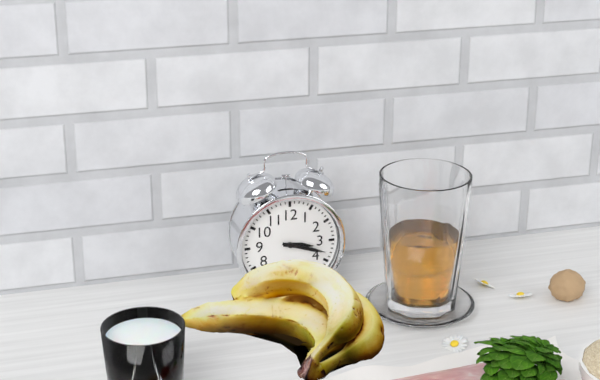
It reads **3:18**
